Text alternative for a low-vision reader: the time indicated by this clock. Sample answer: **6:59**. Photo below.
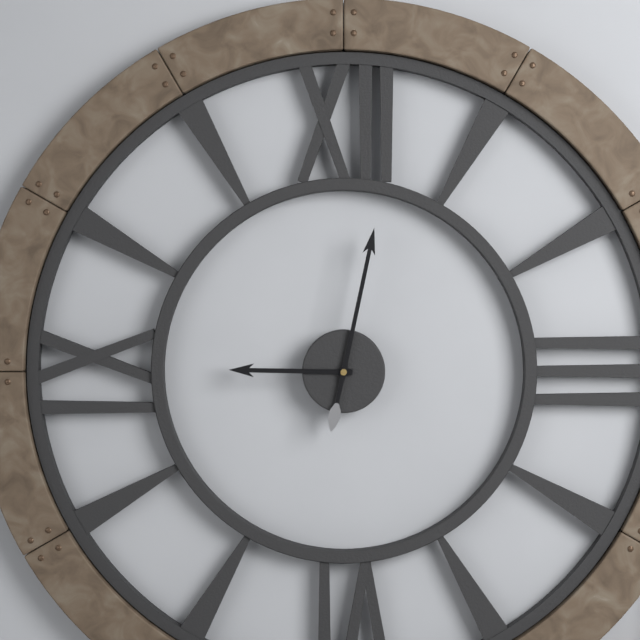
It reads **9:02**
